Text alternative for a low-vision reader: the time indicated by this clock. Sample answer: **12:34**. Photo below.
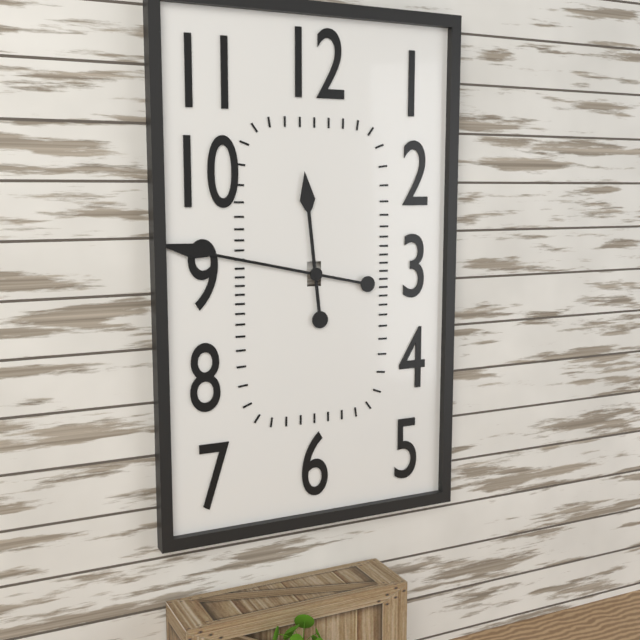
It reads **11:47**
